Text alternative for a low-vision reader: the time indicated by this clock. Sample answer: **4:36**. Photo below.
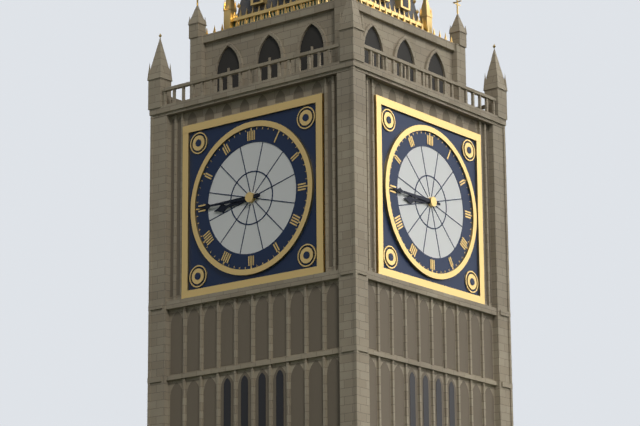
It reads **8:45**
